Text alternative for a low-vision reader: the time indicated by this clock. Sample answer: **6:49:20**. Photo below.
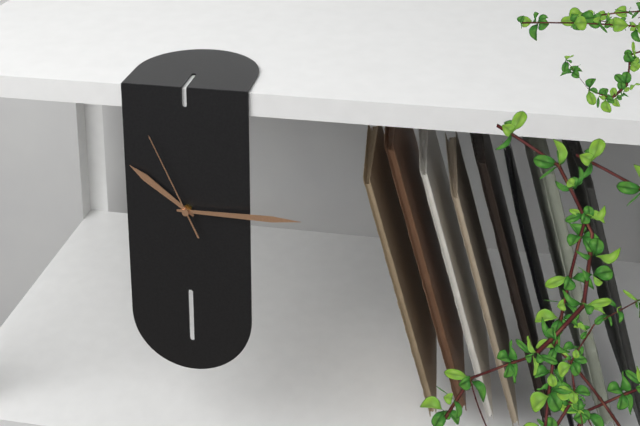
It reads **10:15:56**
